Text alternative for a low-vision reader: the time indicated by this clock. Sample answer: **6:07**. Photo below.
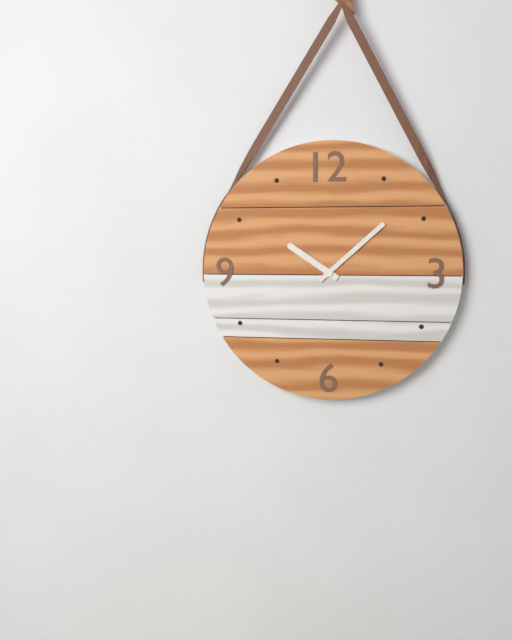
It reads **10:08**
